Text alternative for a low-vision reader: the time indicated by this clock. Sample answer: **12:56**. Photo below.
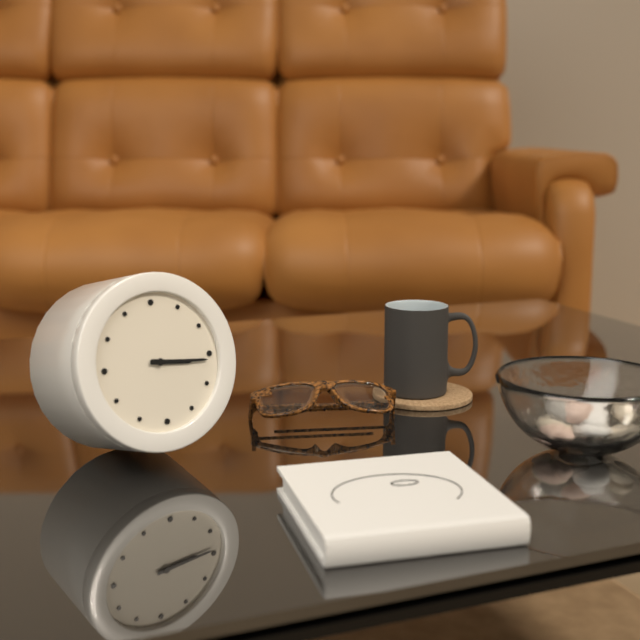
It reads **3:16**
